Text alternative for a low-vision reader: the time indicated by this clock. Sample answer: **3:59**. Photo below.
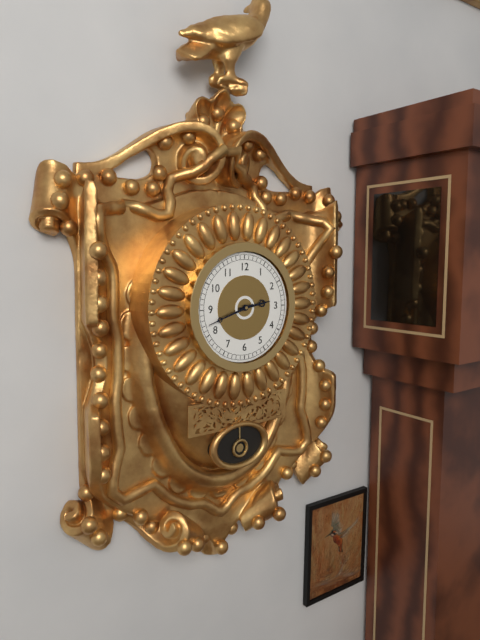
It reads **2:42**
